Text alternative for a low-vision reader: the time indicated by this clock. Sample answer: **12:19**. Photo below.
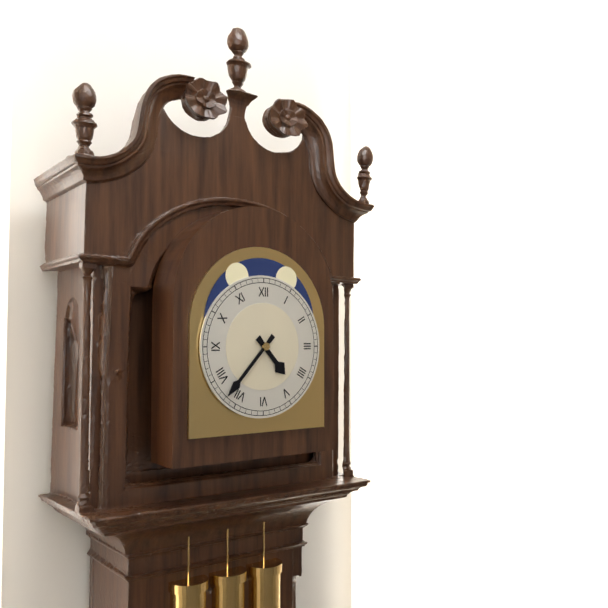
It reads **4:37**
